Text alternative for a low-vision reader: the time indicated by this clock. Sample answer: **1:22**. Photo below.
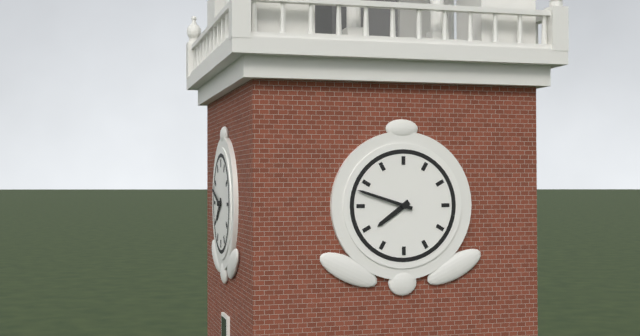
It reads **7:48**
